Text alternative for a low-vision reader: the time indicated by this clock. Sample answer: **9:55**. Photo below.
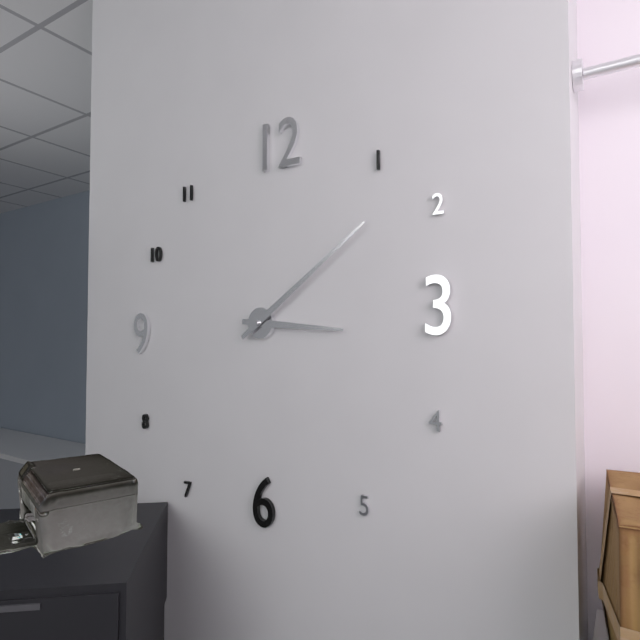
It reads **3:09**
